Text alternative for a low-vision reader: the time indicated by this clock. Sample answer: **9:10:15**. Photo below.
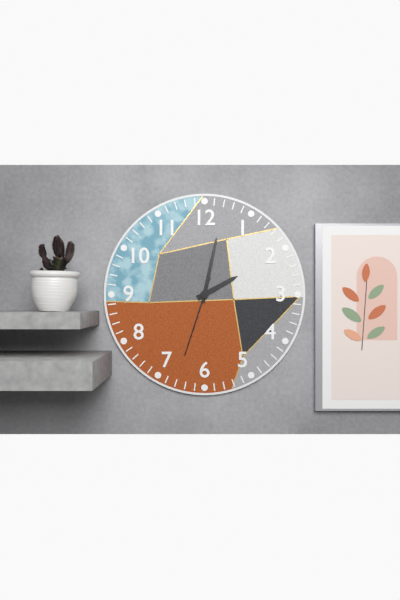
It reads **2:02:33**
